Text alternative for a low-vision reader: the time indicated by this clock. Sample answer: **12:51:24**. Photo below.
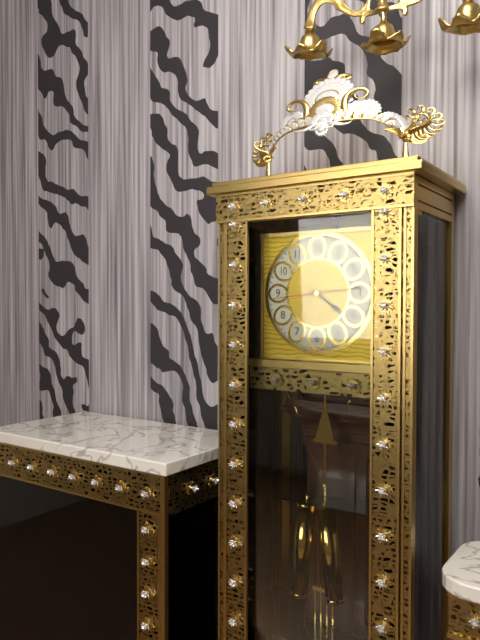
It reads **4:14:44**
